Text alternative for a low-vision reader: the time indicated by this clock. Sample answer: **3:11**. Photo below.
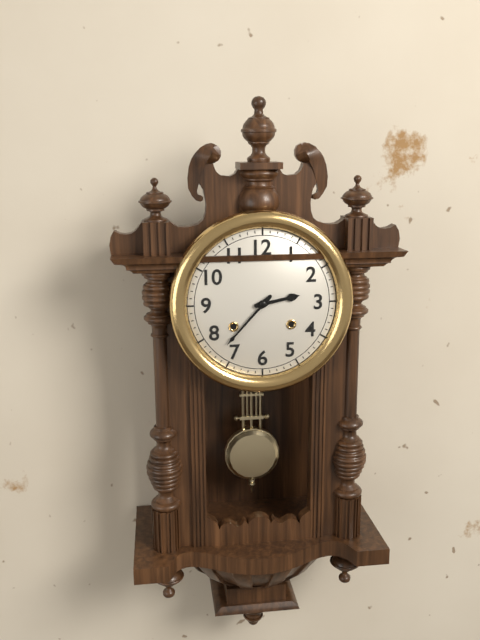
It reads **2:37**
